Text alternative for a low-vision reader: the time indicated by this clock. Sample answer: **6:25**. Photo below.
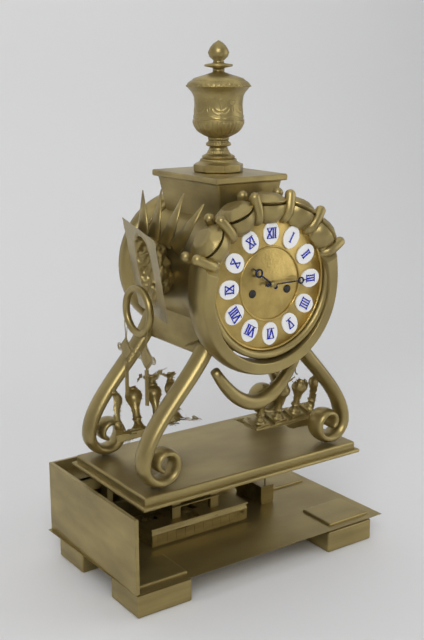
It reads **10:15**
